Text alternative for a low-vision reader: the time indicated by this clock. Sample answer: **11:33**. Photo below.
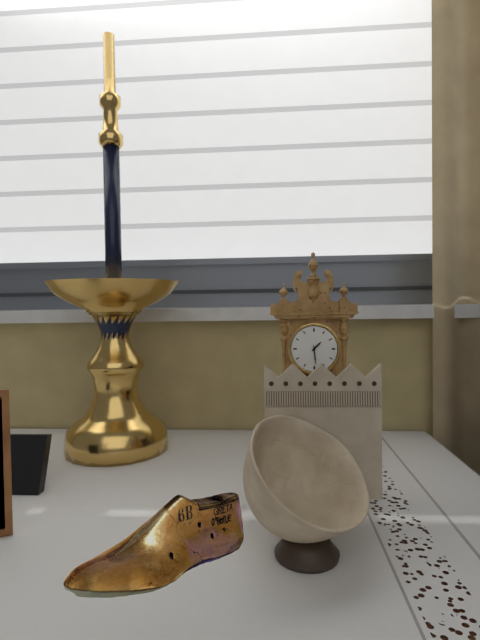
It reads **1:29**
